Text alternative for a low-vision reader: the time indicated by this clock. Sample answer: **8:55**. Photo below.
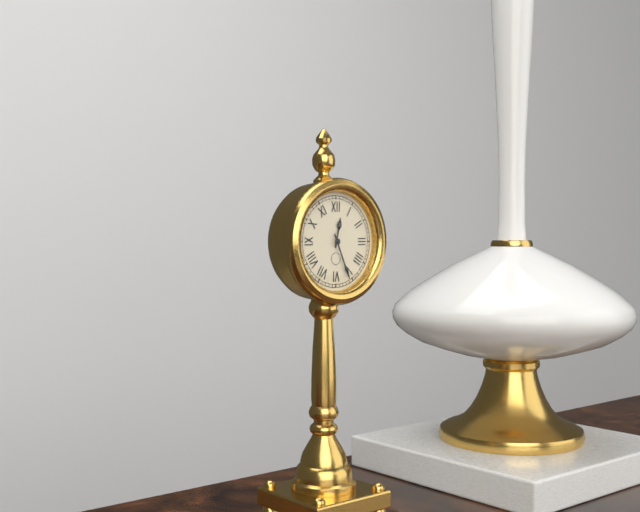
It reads **12:26**
